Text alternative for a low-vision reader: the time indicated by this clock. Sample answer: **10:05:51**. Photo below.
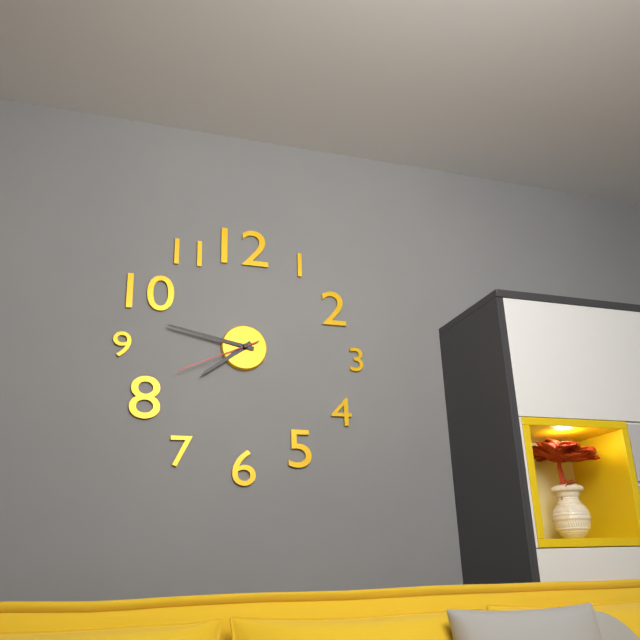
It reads **7:47:41**
